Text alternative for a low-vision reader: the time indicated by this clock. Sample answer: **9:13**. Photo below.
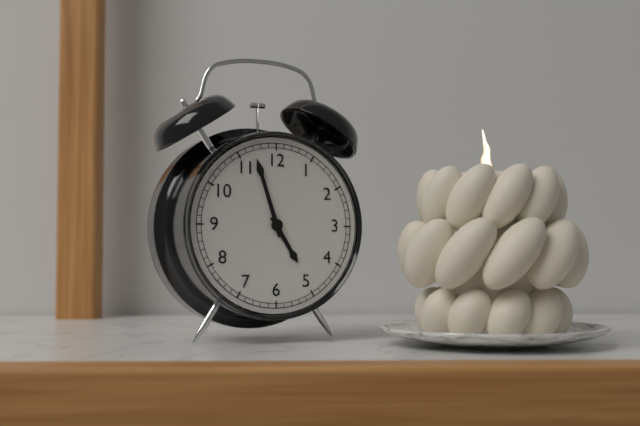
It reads **4:57**
